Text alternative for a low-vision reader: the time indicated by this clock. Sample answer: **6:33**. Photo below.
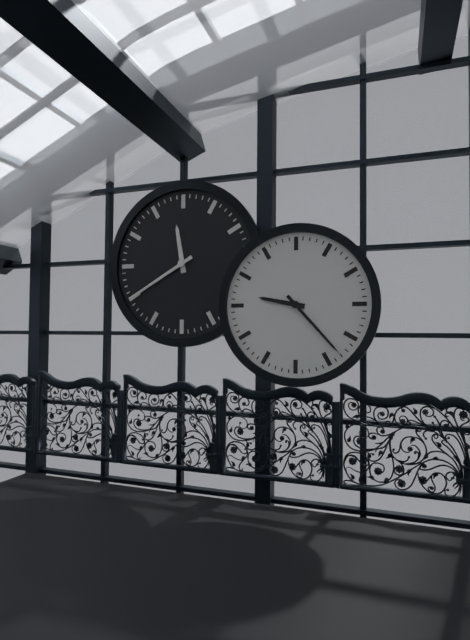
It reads **9:23**
